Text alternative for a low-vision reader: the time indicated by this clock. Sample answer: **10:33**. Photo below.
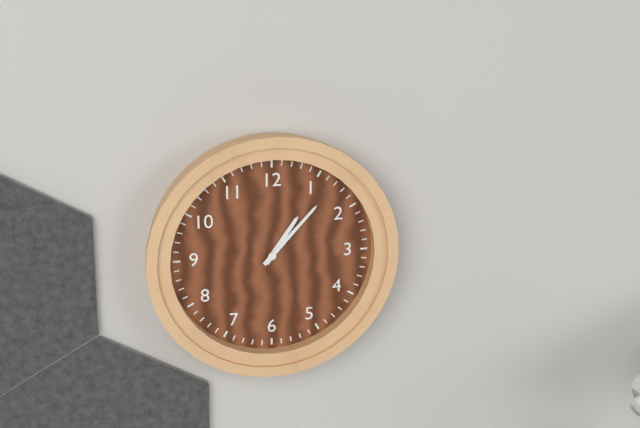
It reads **1:07**
